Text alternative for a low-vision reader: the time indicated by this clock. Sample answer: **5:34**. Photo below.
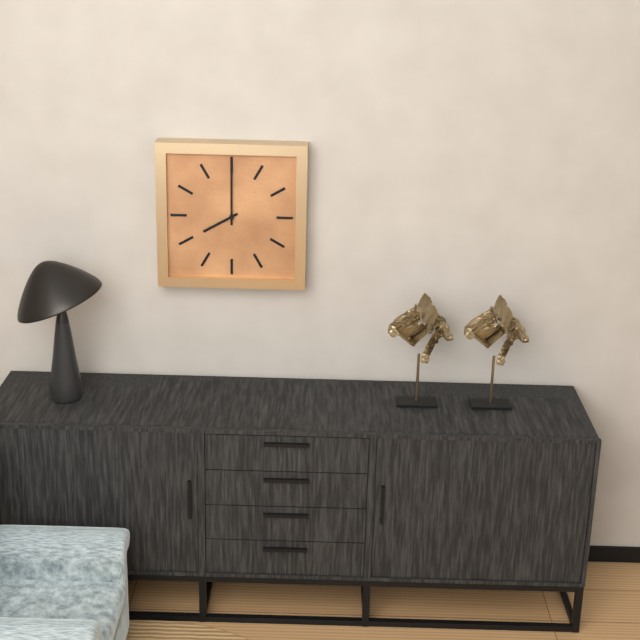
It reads **8:00**
